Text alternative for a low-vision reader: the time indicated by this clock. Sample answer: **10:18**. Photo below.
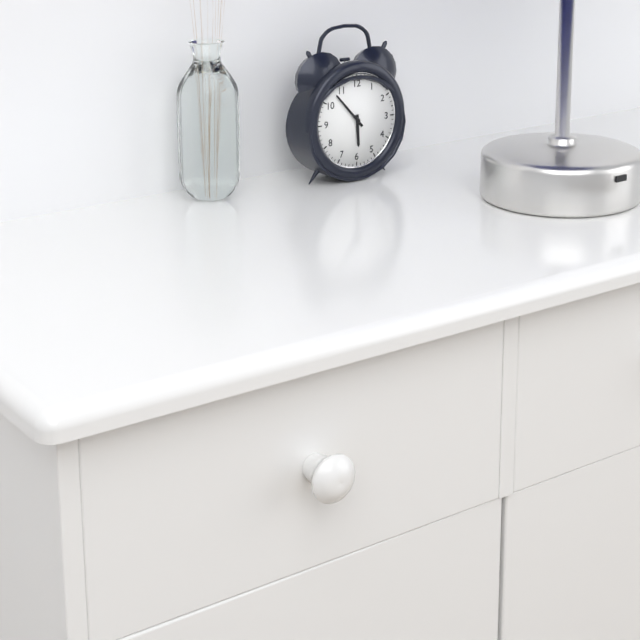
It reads **5:53**
